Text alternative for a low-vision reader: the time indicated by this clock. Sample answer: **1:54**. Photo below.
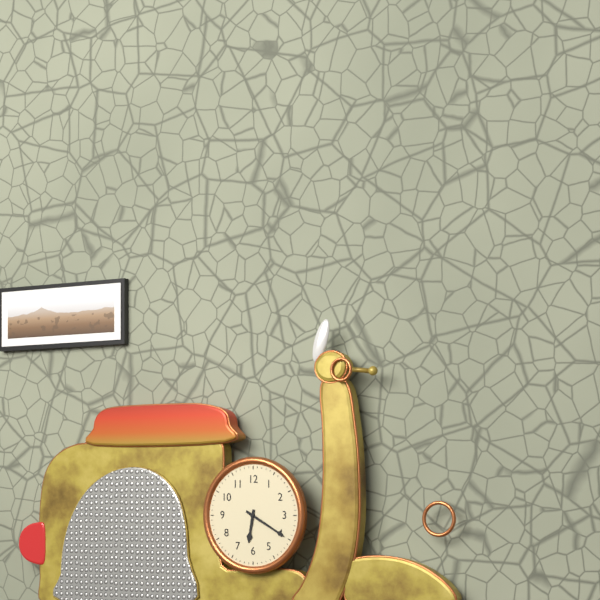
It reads **6:20**
